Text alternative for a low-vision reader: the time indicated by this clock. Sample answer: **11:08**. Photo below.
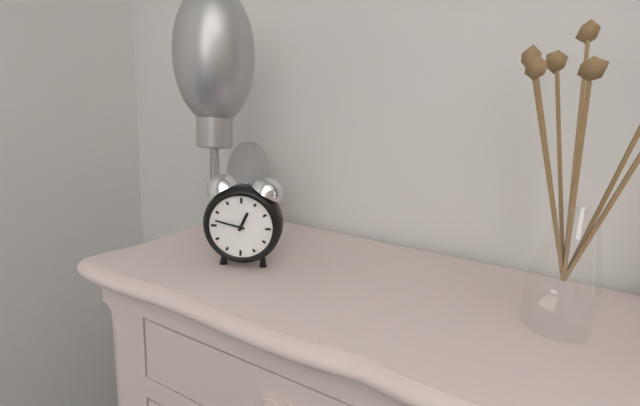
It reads **12:47**
